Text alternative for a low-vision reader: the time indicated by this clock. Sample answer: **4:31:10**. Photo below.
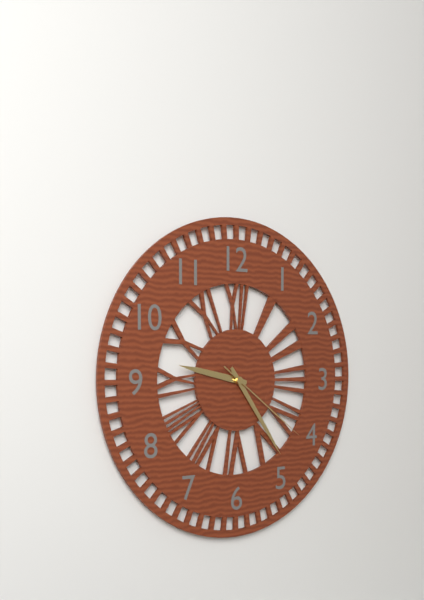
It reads **9:24:21**
